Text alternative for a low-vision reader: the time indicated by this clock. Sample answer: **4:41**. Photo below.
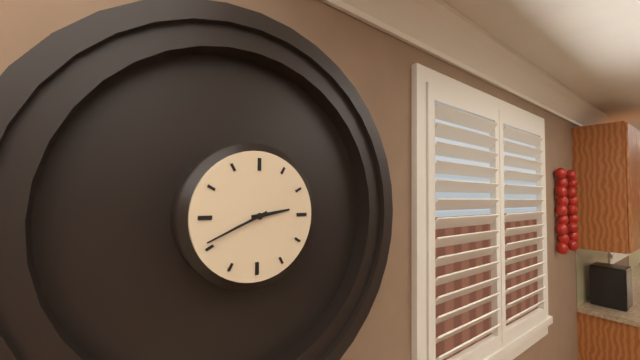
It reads **2:41**
